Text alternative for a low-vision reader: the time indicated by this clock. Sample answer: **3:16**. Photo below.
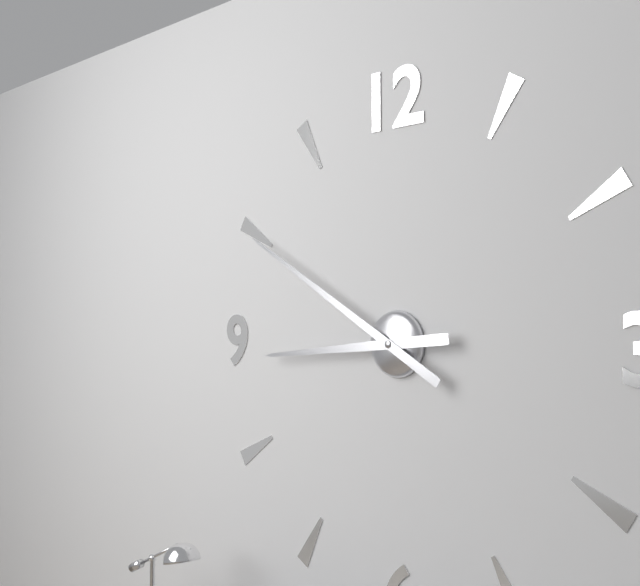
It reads **8:50**
